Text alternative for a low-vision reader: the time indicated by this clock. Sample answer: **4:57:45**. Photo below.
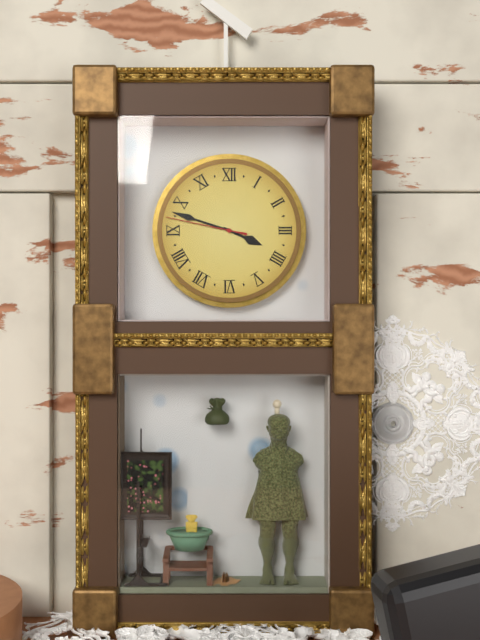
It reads **3:48:47**
